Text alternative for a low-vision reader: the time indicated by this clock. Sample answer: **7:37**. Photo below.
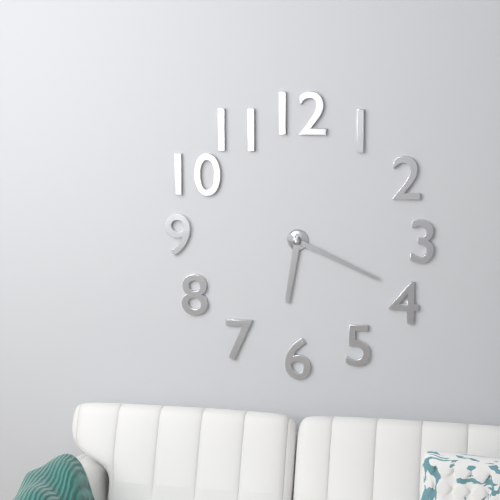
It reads **6:19**
